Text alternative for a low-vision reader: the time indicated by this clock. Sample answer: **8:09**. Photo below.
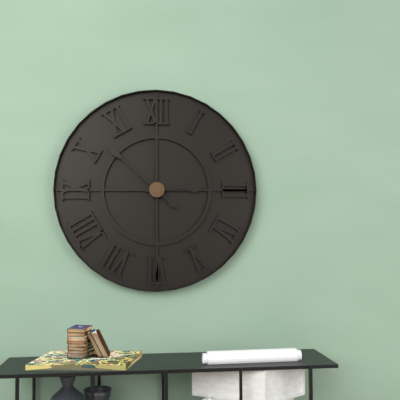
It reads **2:52**
